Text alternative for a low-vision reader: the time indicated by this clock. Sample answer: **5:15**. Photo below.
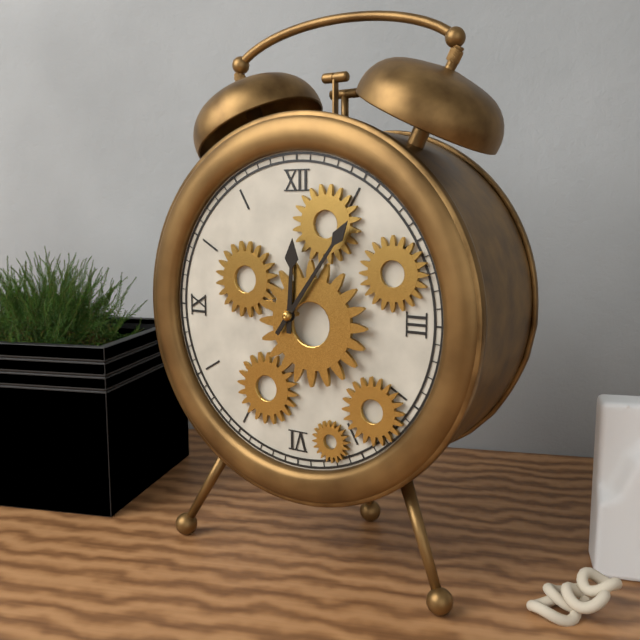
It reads **12:06**
